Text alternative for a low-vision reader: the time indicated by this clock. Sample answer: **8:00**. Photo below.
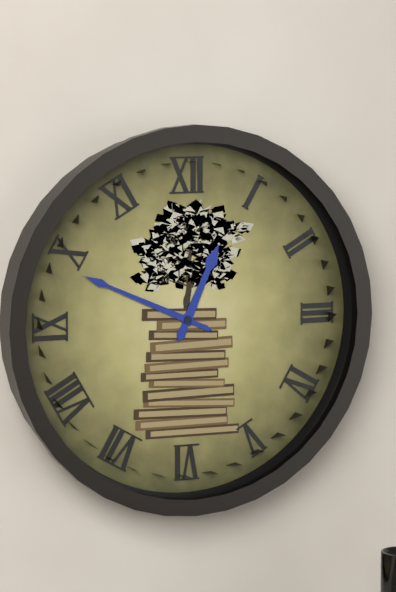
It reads **12:49**
